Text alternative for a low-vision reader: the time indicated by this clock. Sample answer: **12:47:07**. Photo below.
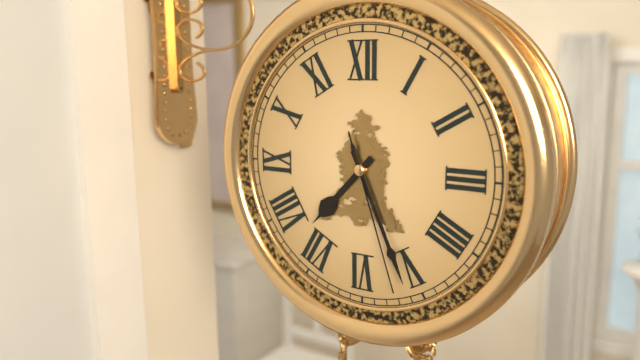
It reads **7:26:27**
